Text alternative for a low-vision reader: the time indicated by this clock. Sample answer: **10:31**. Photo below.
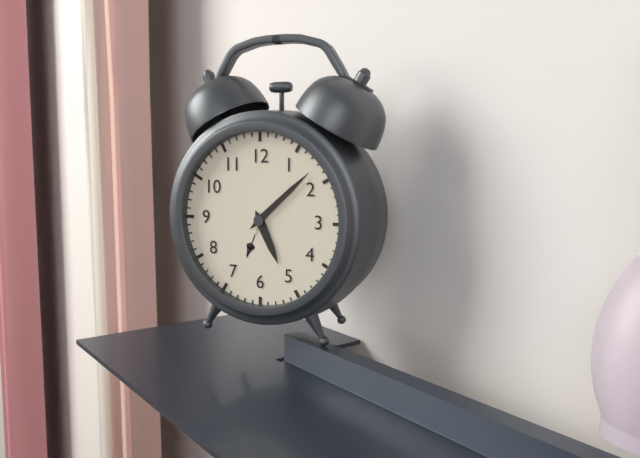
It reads **5:08**
